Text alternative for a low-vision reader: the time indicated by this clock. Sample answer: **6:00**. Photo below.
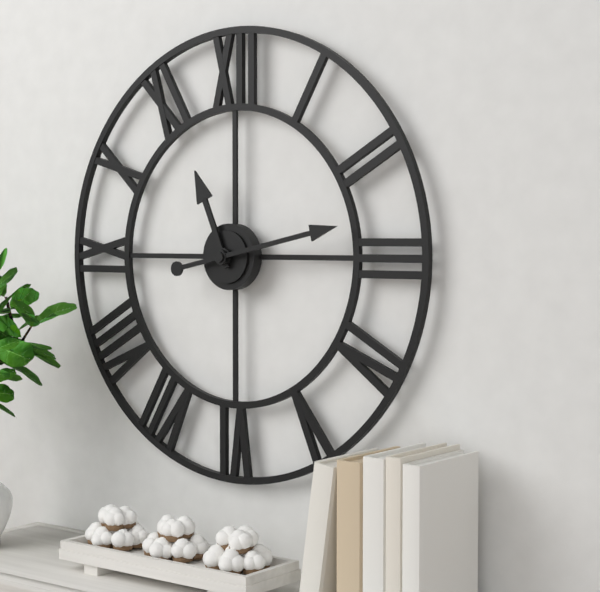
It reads **11:13**
